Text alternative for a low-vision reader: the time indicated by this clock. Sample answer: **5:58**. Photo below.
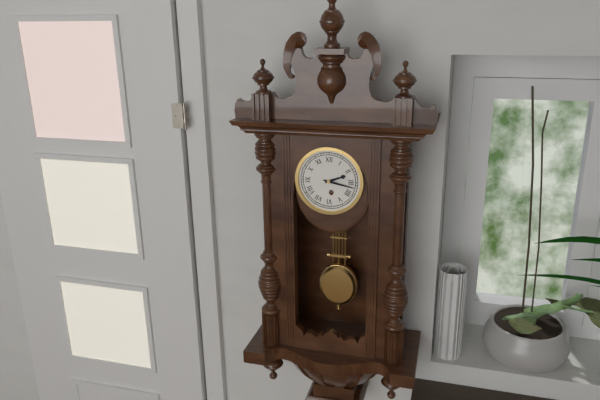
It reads **2:17**
